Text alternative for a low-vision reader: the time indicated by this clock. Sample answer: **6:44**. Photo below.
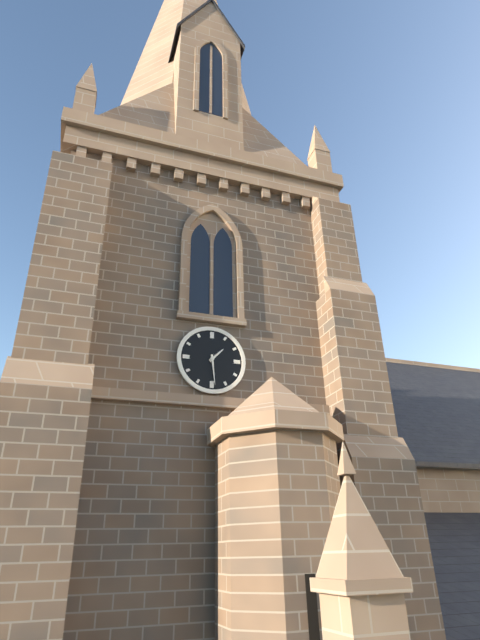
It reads **1:29**
